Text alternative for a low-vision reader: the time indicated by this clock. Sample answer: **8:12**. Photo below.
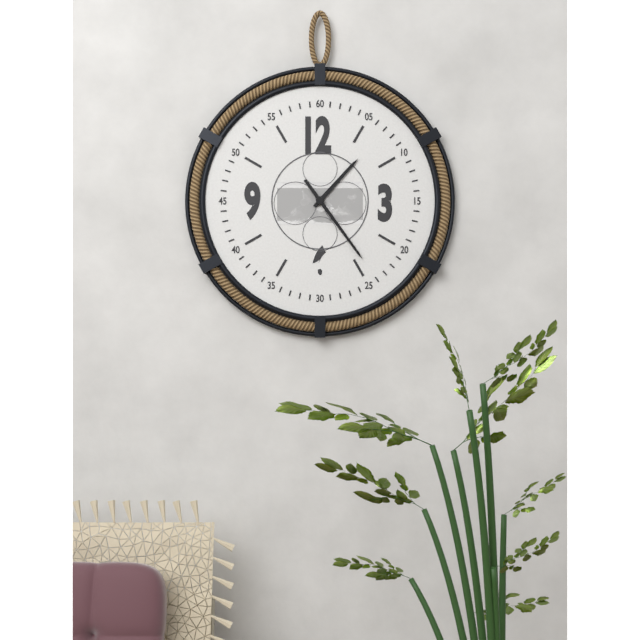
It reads **1:24**
